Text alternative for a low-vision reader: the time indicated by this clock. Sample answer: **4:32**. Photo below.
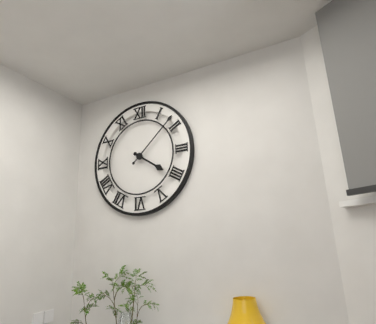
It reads **4:08**
